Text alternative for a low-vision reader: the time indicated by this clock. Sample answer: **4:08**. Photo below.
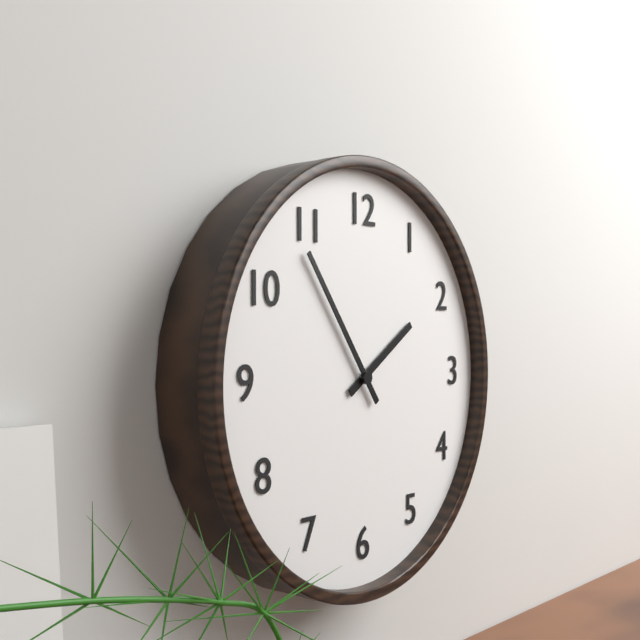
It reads **1:54**
